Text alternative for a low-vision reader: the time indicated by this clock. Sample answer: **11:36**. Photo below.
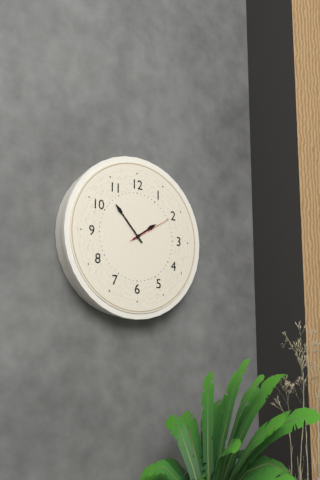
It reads **1:53**
